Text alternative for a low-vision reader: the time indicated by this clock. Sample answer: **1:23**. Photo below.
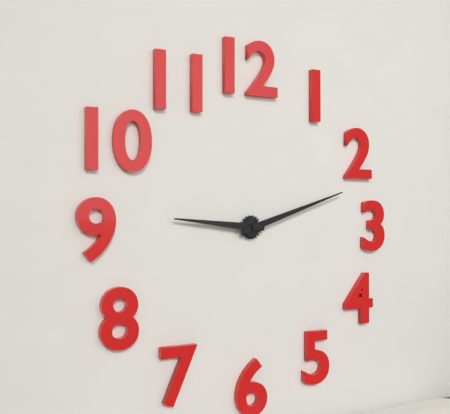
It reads **9:12**
